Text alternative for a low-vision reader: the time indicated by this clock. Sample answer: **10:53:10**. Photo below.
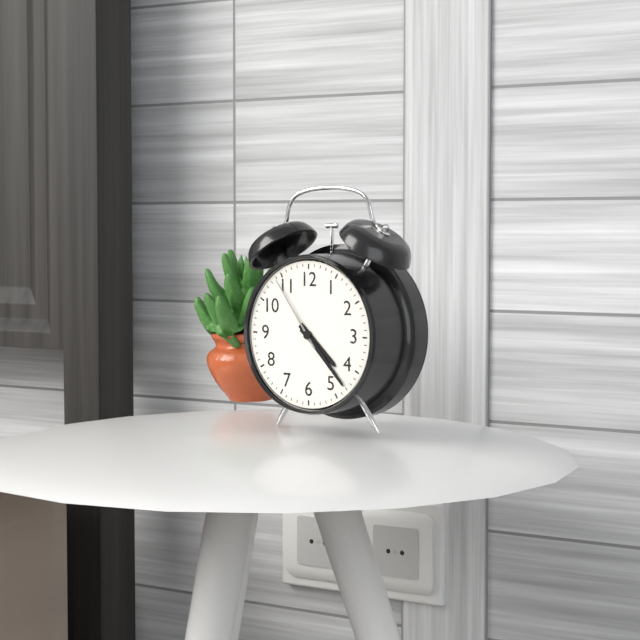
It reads **4:23:54**
